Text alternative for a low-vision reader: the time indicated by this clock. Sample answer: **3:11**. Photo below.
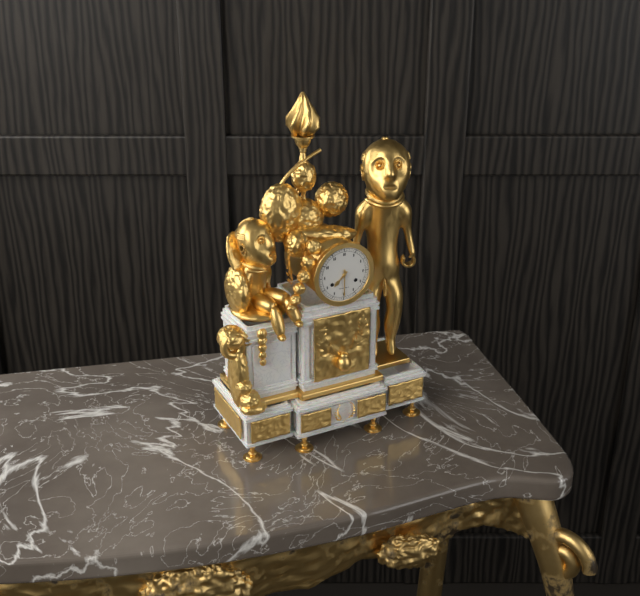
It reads **7:30**
